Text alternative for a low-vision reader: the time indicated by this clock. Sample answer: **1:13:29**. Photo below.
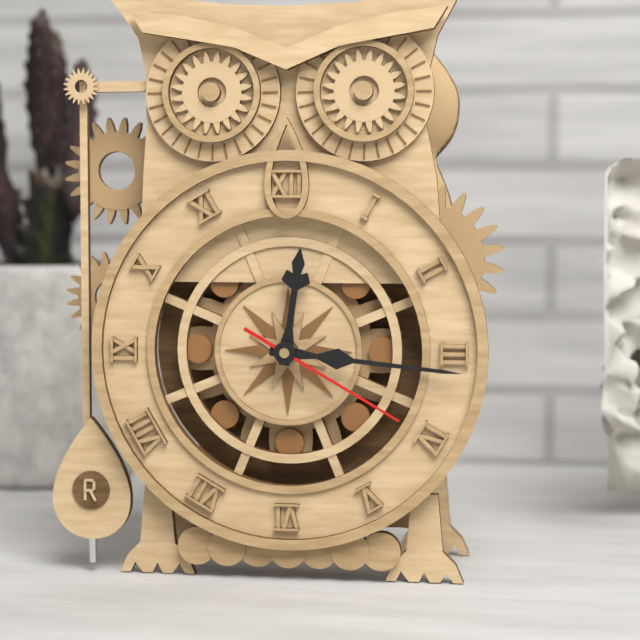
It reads **12:16:20**
